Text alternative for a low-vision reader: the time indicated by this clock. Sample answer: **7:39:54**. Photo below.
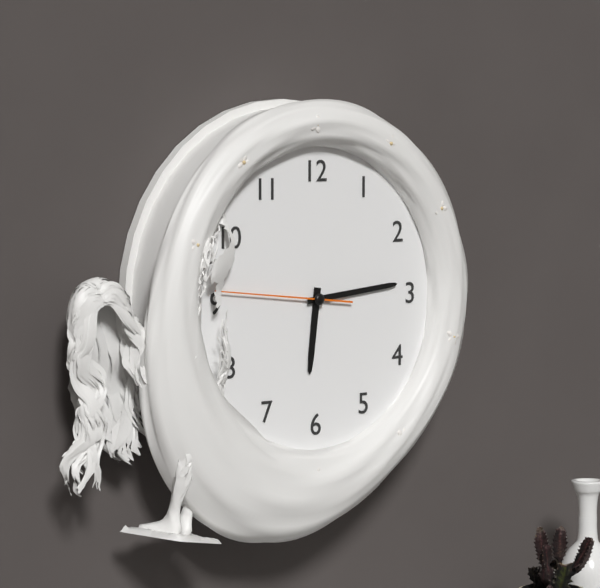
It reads **6:14:46**
